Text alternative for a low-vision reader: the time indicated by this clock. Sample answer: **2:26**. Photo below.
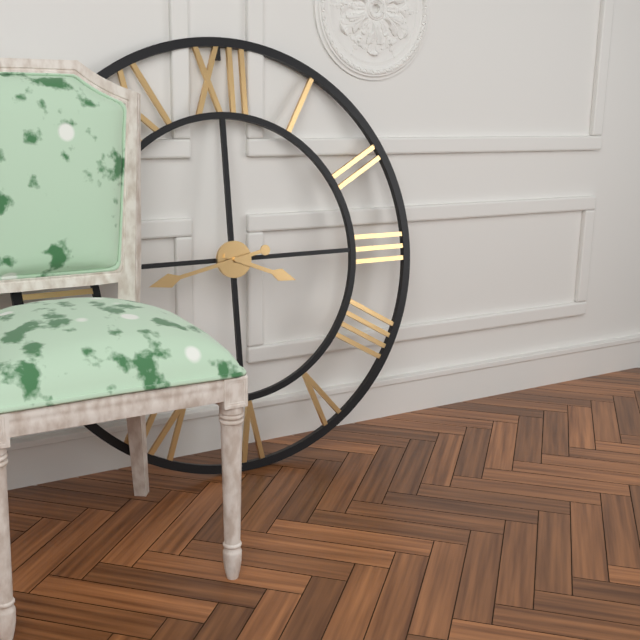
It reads **3:43**
